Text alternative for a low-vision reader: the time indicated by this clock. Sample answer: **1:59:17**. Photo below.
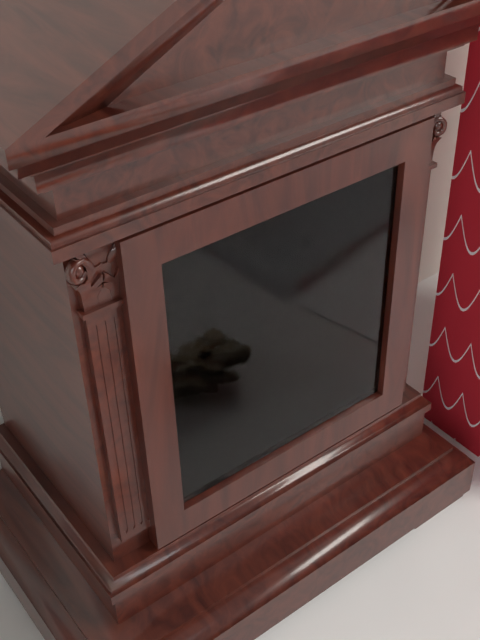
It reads **11:29:23**
